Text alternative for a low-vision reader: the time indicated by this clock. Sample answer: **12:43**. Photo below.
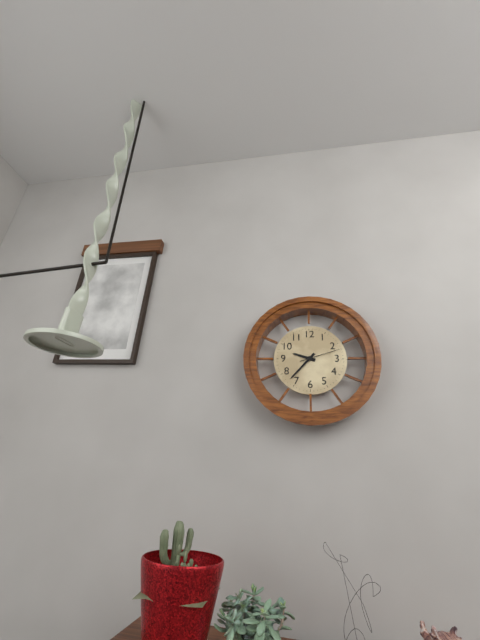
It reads **9:37**
